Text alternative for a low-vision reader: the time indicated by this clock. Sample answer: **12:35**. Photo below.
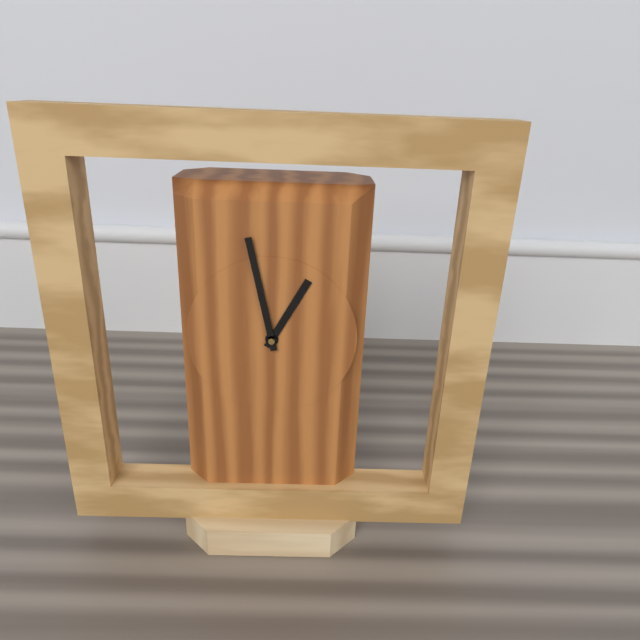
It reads **12:58**
